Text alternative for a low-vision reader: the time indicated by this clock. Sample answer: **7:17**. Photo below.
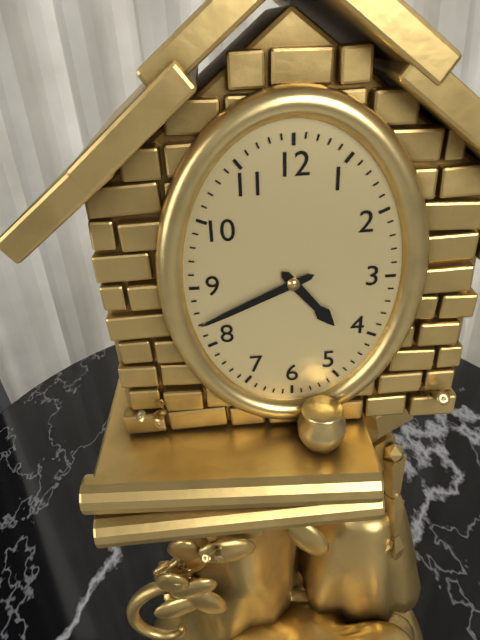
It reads **4:41**
